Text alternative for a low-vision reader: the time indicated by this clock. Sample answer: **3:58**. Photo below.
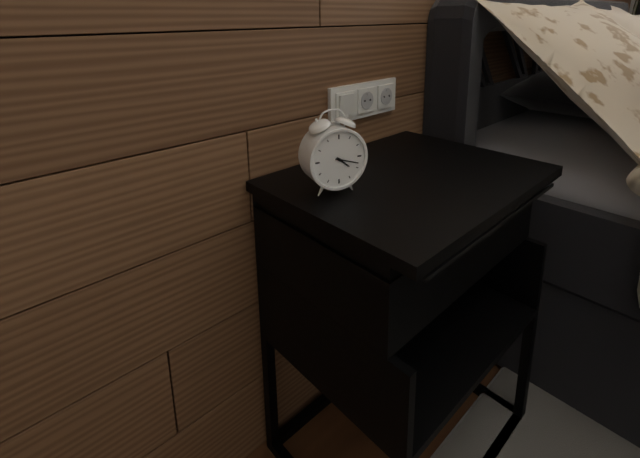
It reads **4:18**
